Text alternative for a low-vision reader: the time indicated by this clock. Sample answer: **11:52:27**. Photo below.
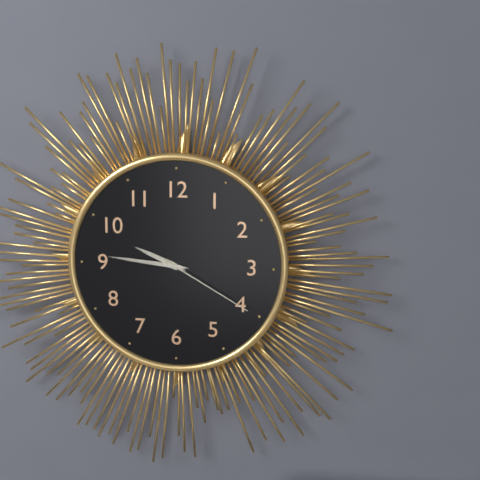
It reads **9:46:20**
